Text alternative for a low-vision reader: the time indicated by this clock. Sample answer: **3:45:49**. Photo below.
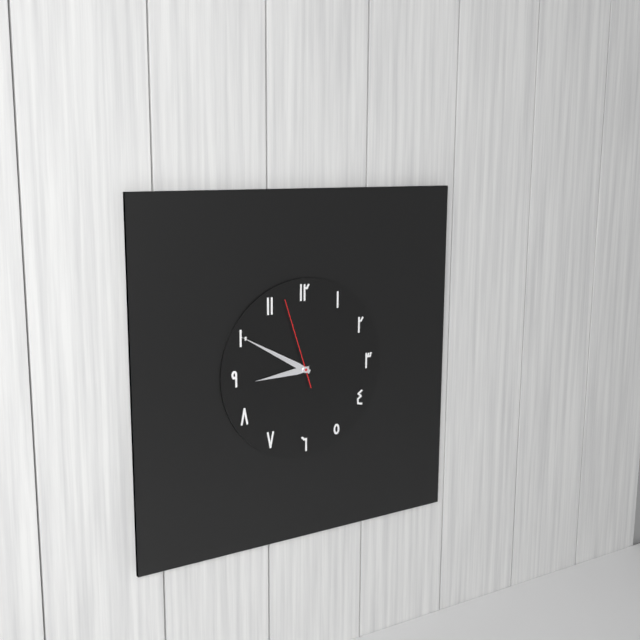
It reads **8:50:57**
